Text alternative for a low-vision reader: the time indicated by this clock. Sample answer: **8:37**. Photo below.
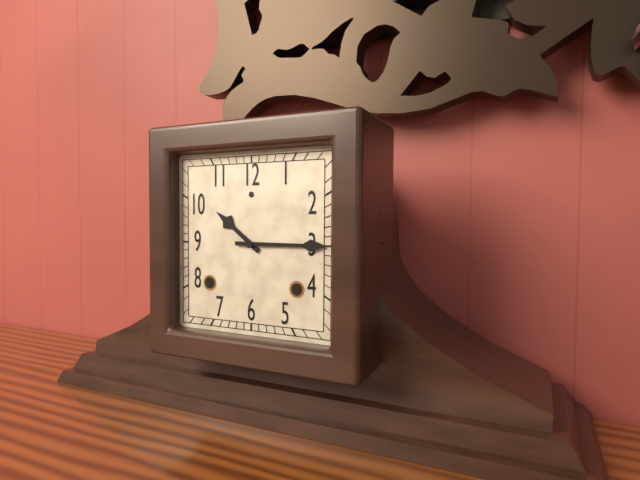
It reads **10:15**
